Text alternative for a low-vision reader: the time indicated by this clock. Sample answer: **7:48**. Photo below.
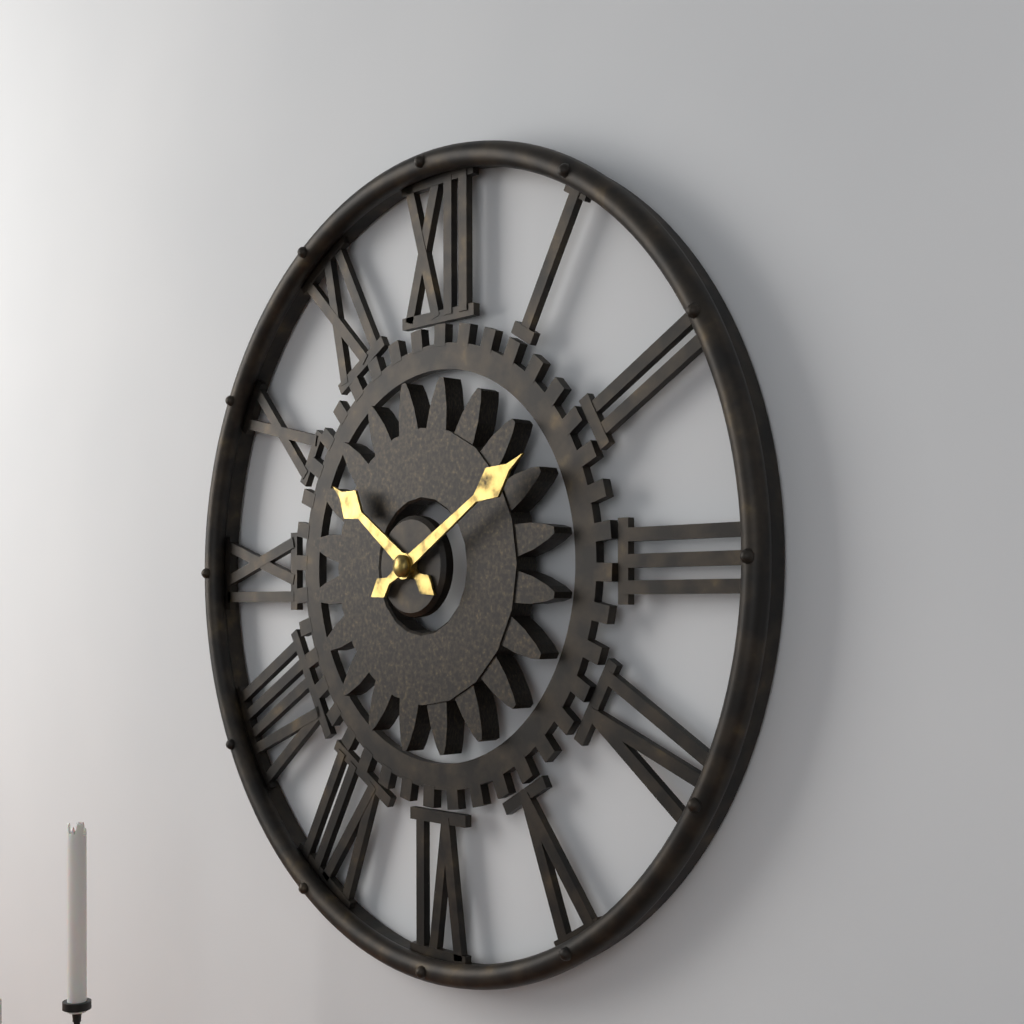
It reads **10:10**
